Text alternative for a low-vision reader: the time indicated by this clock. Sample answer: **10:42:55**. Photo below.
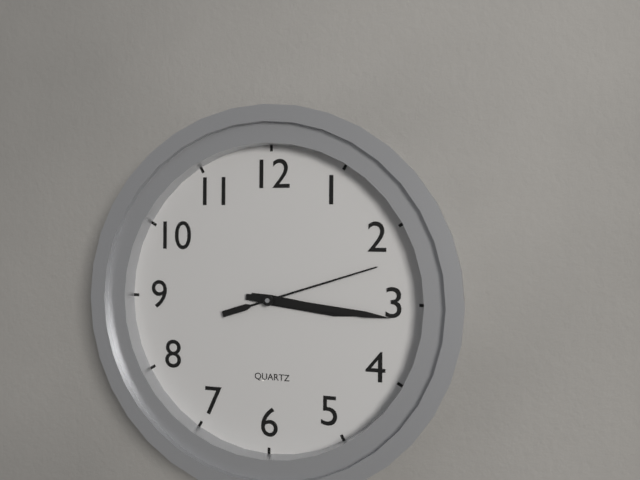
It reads **3:16:12**
